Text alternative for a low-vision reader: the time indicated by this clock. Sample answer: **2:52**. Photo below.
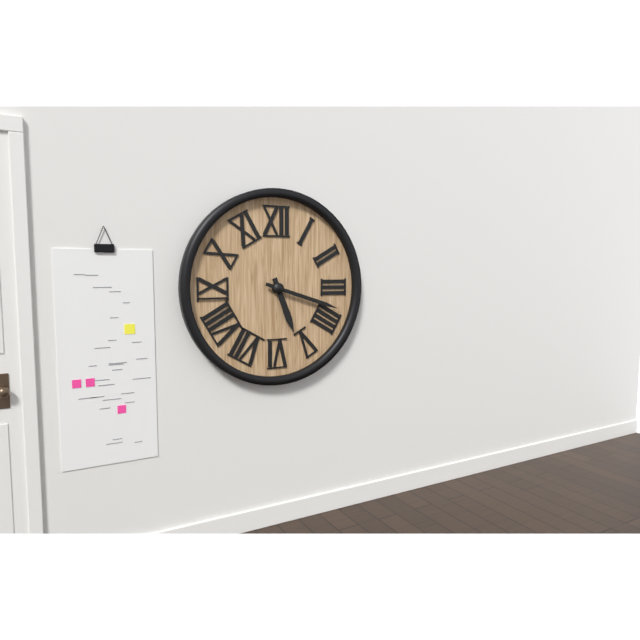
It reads **5:18**
